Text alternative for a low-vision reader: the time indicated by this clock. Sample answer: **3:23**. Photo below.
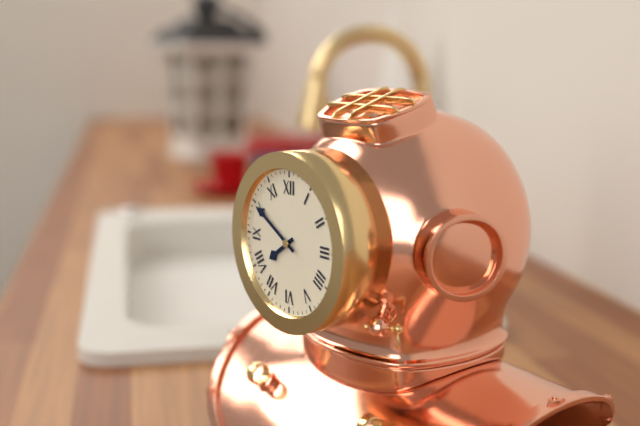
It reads **7:50**
